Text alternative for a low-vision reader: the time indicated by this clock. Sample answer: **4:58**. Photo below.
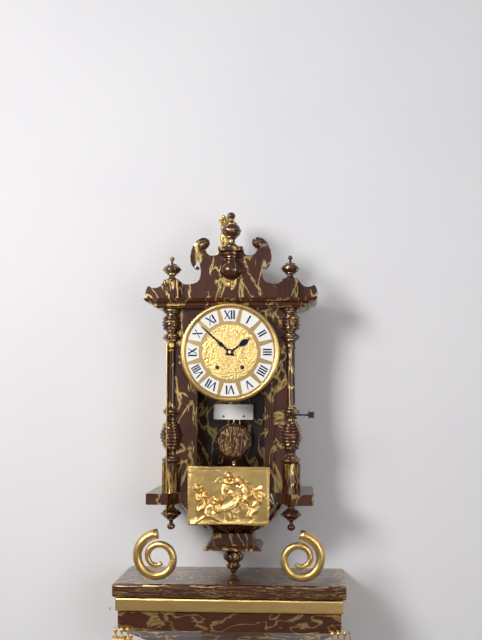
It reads **1:52**
